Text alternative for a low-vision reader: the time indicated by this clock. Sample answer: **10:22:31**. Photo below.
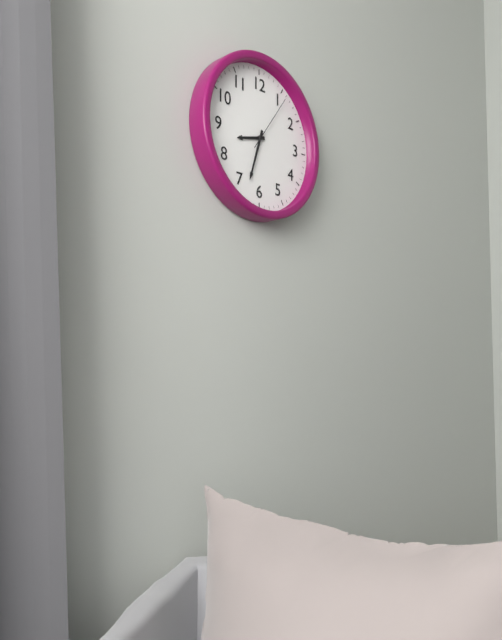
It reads **8:33:06**
